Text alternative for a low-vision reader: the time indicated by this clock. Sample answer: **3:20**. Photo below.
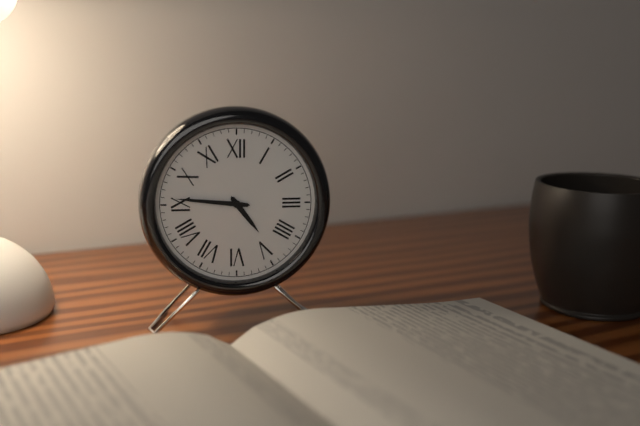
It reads **4:46**
